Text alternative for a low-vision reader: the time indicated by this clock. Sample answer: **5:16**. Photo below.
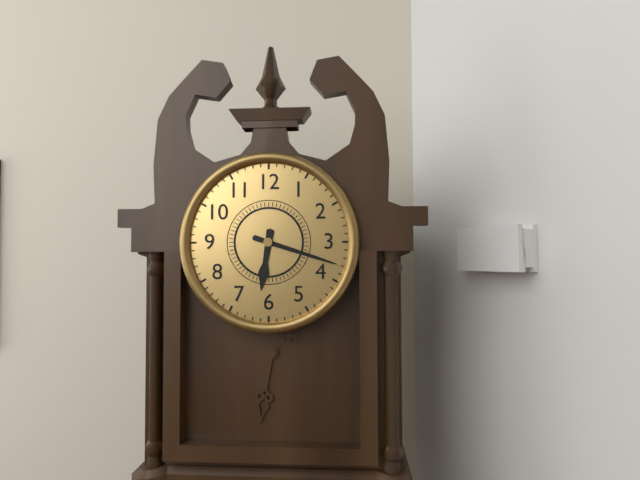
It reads **6:18**
